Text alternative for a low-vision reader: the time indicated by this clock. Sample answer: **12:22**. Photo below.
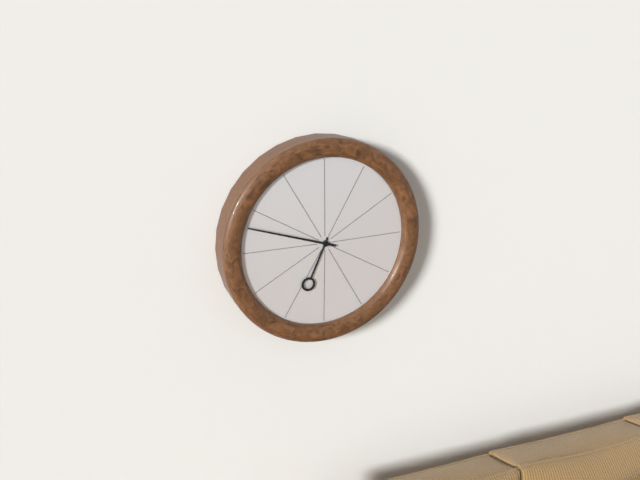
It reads **6:48**
